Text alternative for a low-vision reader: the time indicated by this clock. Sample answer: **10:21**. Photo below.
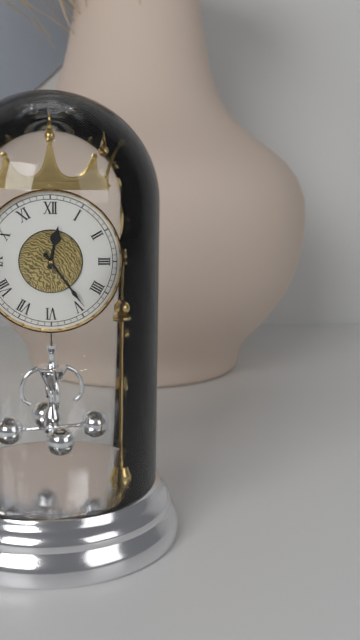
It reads **12:24**
